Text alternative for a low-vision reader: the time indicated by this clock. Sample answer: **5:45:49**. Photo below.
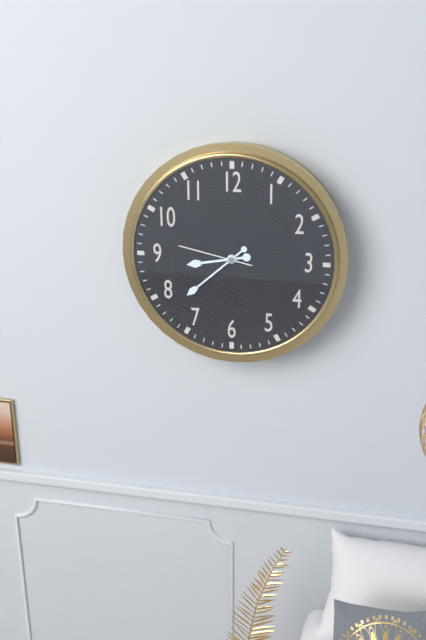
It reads **8:38:47**
